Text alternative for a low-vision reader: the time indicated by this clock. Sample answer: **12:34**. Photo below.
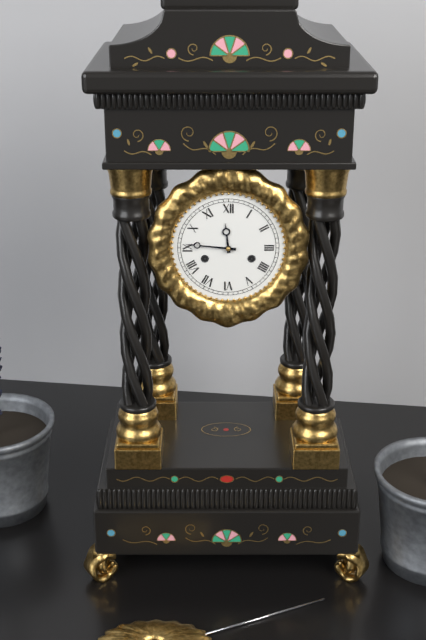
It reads **11:46**
